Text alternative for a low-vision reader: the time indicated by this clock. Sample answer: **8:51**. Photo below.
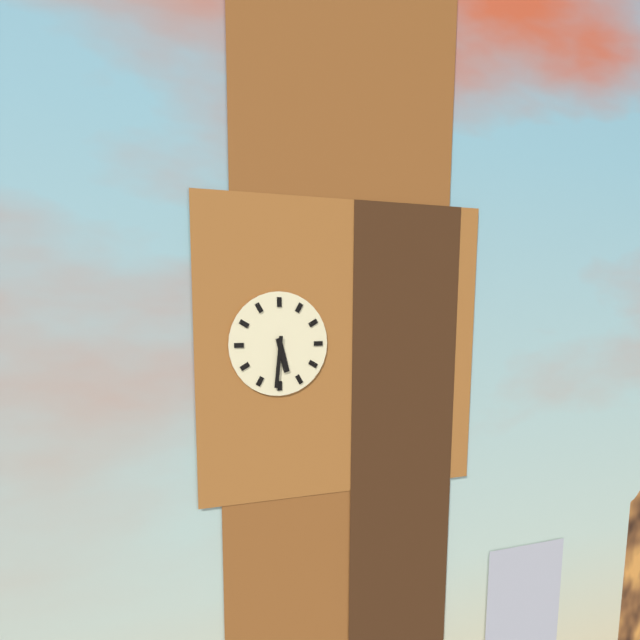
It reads **5:31**
